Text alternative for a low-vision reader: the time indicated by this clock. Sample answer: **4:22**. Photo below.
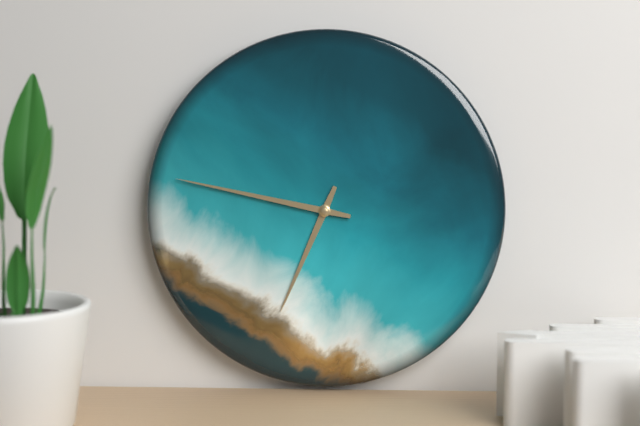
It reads **6:47**
